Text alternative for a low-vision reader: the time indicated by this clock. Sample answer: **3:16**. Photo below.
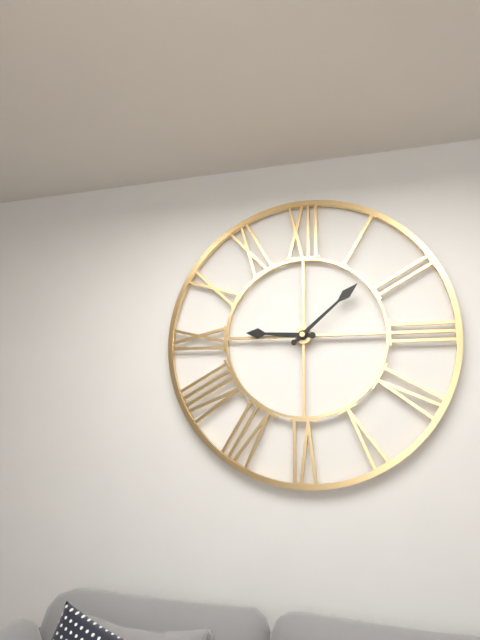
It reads **9:08**
